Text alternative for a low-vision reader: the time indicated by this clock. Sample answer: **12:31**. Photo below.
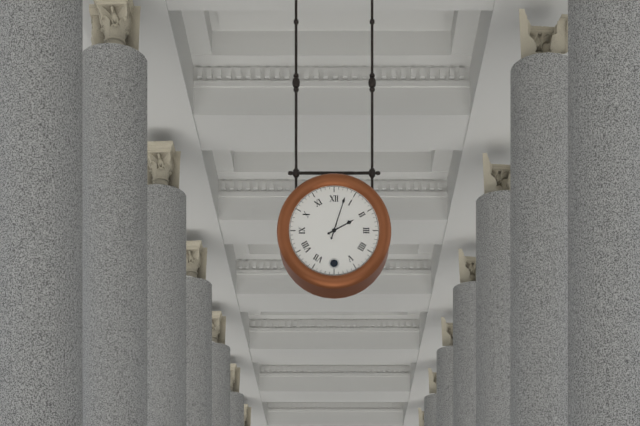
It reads **2:03**
